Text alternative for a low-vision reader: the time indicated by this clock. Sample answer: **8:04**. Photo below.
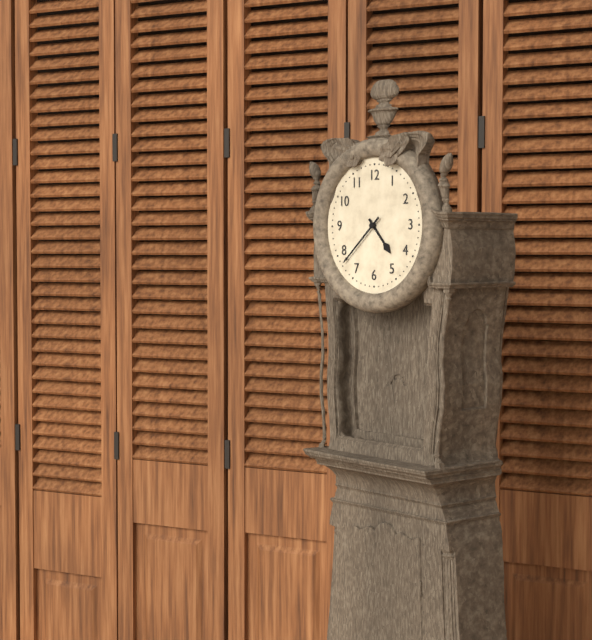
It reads **4:38**
